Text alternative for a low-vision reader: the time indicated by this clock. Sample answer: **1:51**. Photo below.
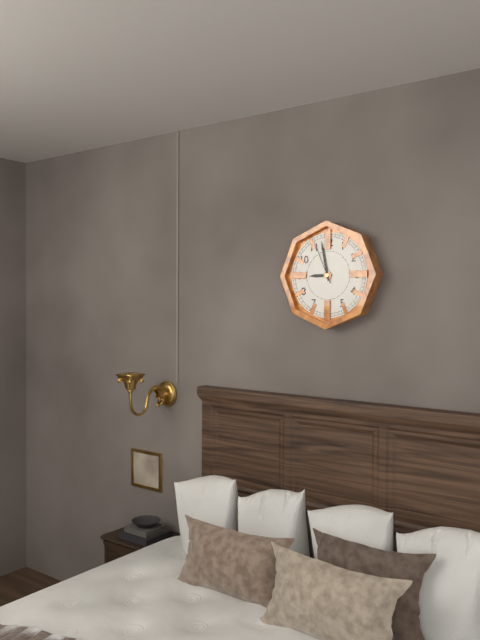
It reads **8:58**
